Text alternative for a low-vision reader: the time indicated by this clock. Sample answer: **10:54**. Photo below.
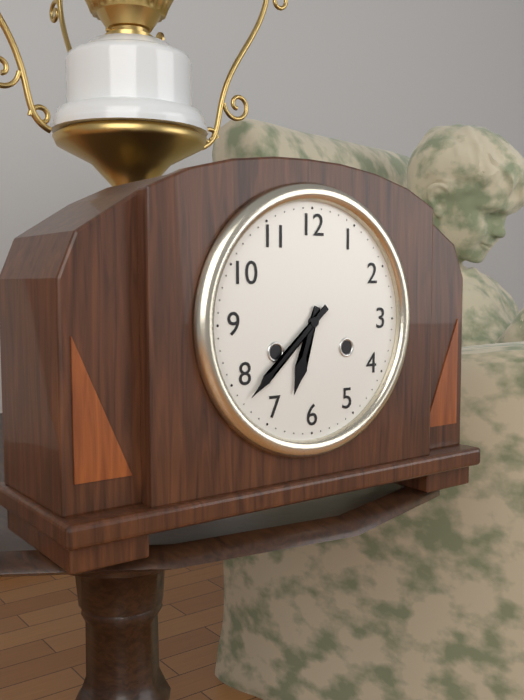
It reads **6:38**
